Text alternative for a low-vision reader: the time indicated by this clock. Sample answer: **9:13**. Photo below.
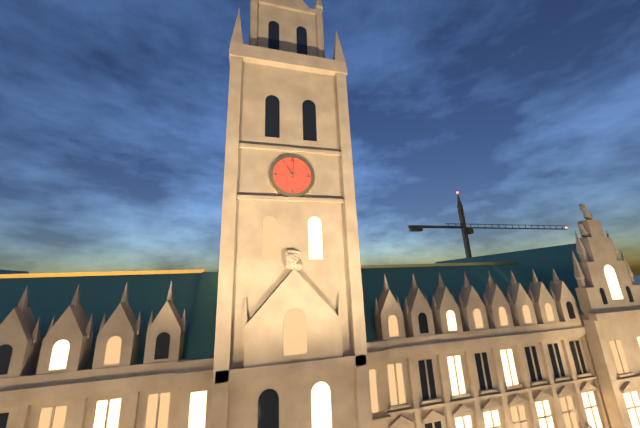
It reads **11:01**
